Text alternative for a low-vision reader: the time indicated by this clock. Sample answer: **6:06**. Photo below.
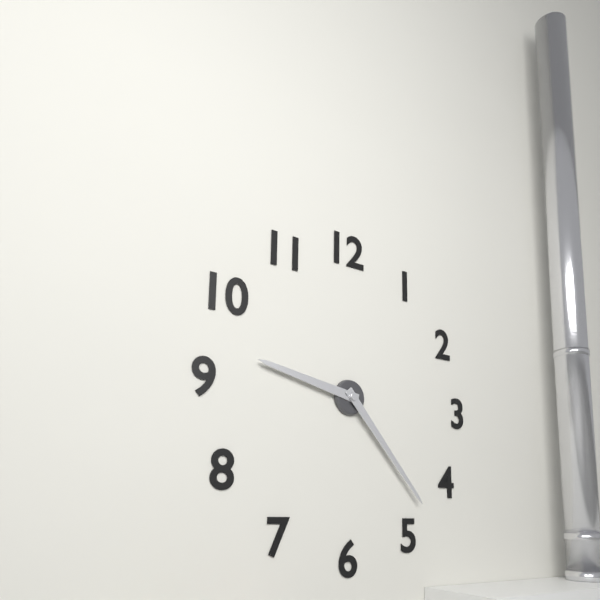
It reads **9:23**
